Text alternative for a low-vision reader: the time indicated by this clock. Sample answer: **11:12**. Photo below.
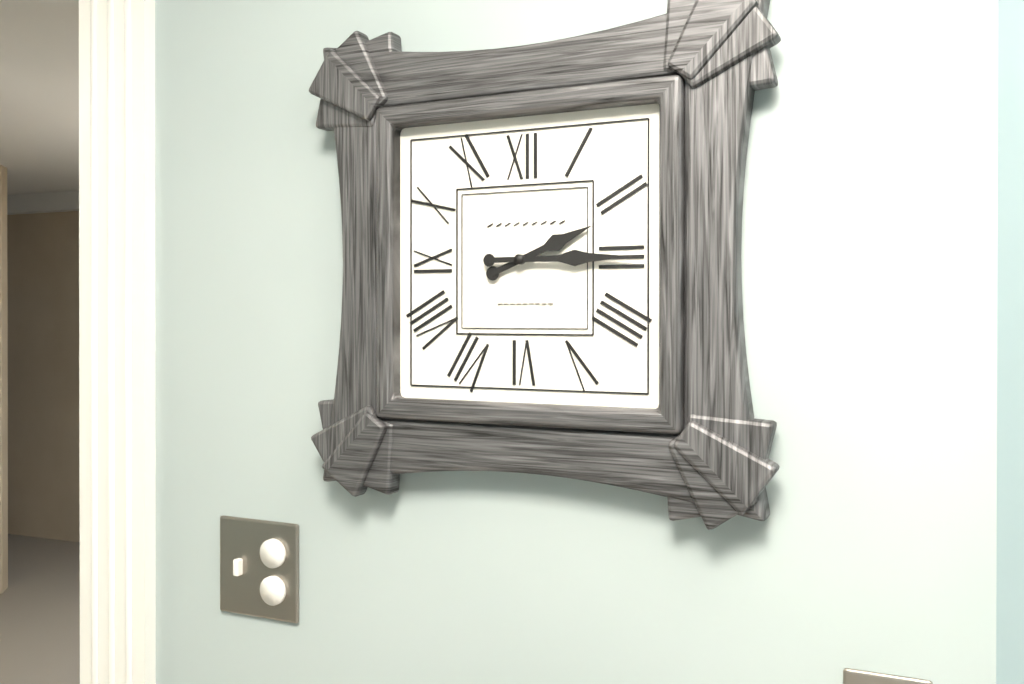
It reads **2:15**
